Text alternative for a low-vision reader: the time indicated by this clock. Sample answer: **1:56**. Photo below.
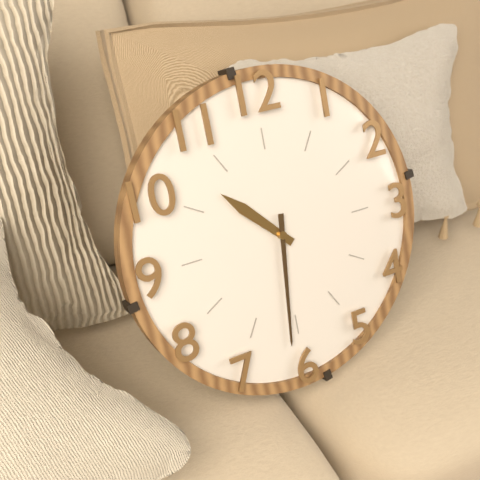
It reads **10:31**
